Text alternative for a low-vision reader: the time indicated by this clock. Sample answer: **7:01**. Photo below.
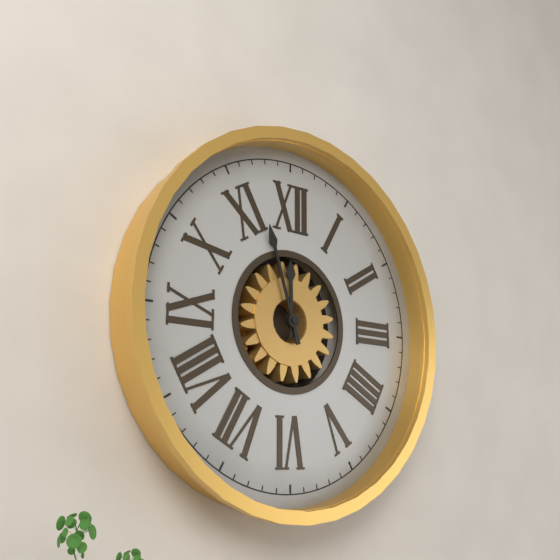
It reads **11:57**
